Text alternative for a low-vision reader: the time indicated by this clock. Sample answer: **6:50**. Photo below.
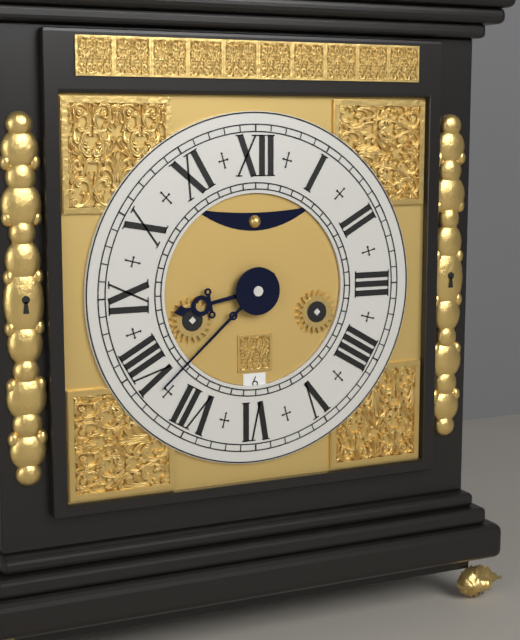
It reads **8:38**
